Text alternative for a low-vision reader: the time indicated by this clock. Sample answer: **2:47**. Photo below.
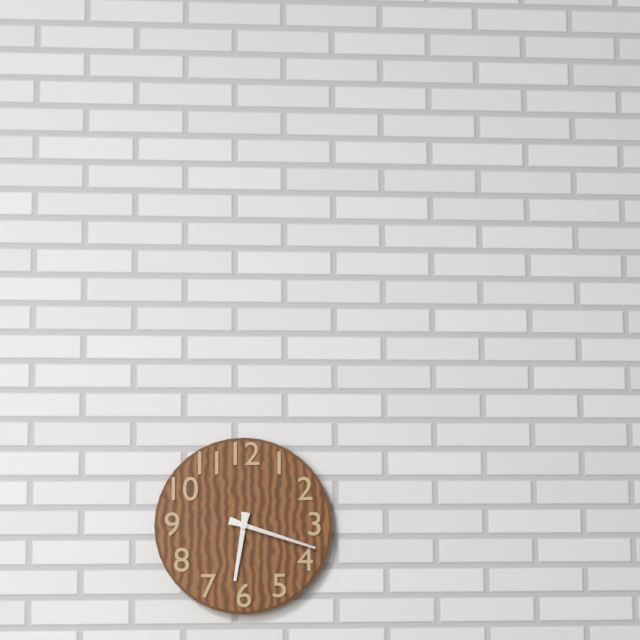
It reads **6:18**
